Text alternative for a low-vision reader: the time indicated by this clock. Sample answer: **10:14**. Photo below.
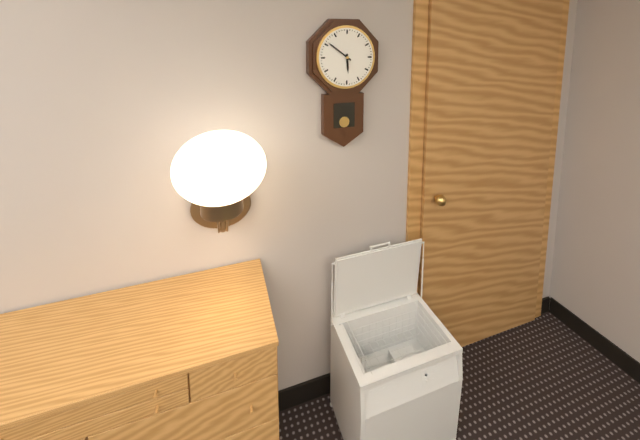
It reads **5:51**
